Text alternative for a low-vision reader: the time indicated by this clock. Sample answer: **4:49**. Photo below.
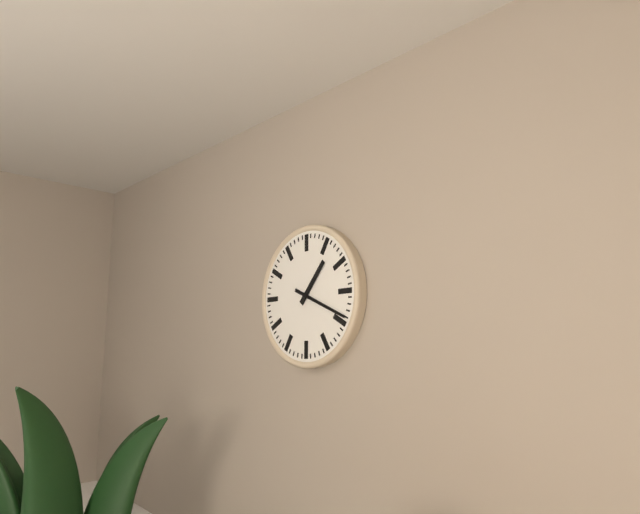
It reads **1:19**
